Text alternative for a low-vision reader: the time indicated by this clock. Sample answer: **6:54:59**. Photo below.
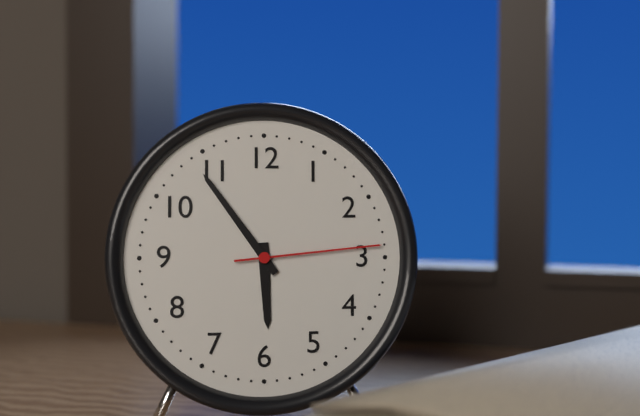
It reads **5:54:14**
